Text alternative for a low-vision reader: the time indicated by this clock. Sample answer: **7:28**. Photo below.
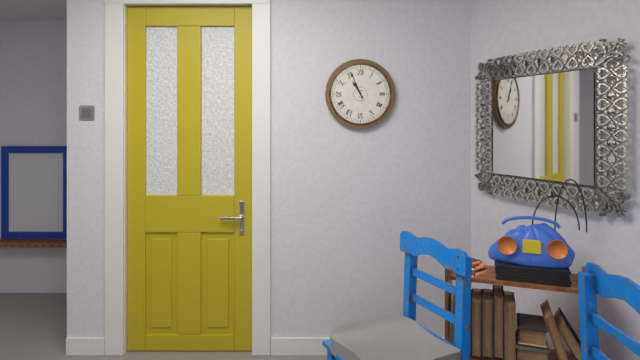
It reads **10:56**
